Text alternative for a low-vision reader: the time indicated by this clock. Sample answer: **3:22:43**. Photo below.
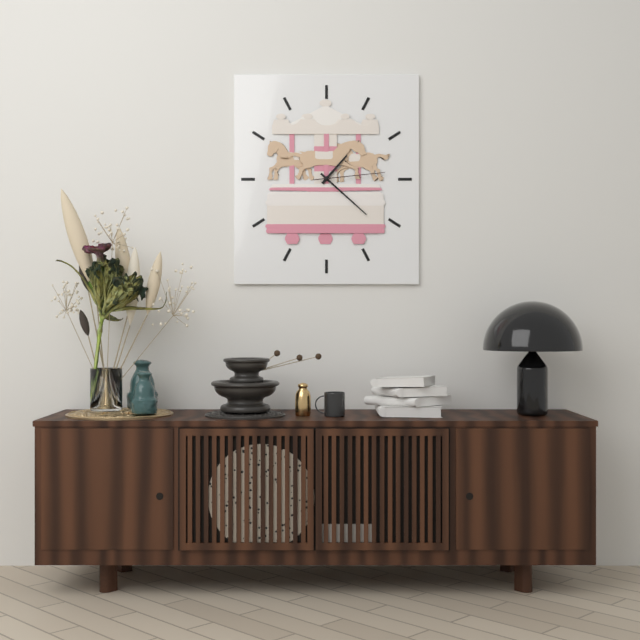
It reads **1:22:14**
